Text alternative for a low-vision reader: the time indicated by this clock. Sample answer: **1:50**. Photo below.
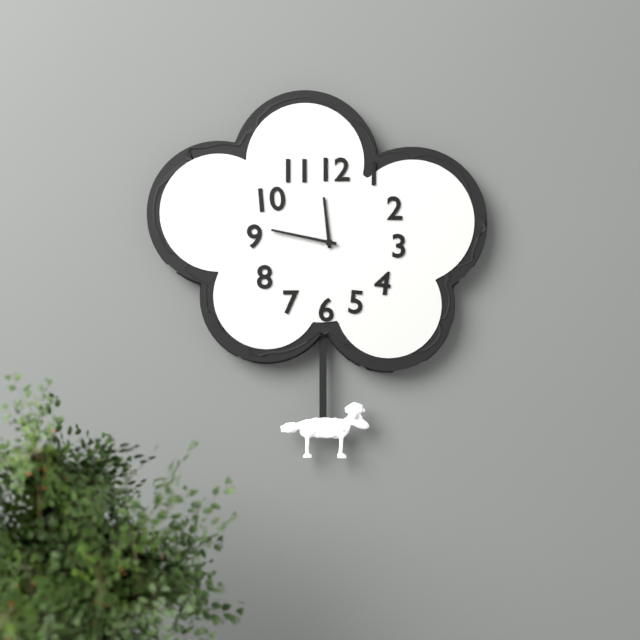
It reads **11:47**
